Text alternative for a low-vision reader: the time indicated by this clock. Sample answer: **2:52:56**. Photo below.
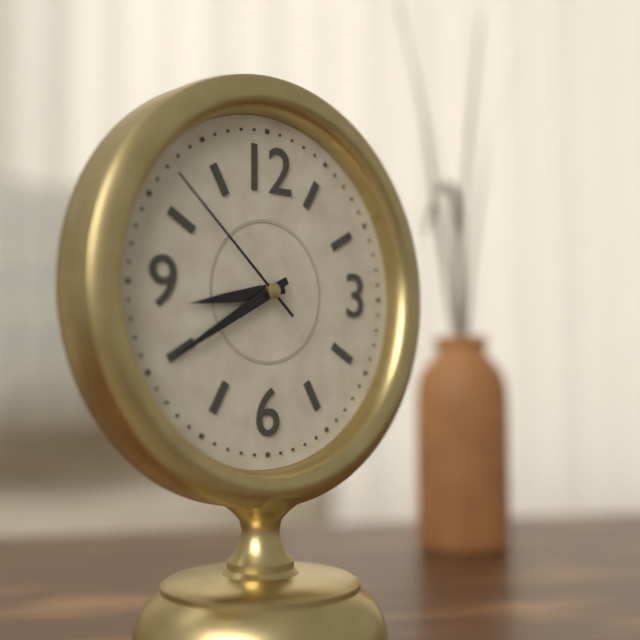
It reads **8:40:52**
